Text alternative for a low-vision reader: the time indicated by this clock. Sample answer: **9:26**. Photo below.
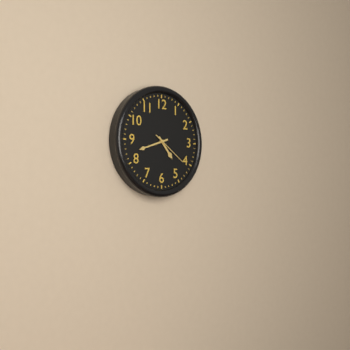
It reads **4:42**
